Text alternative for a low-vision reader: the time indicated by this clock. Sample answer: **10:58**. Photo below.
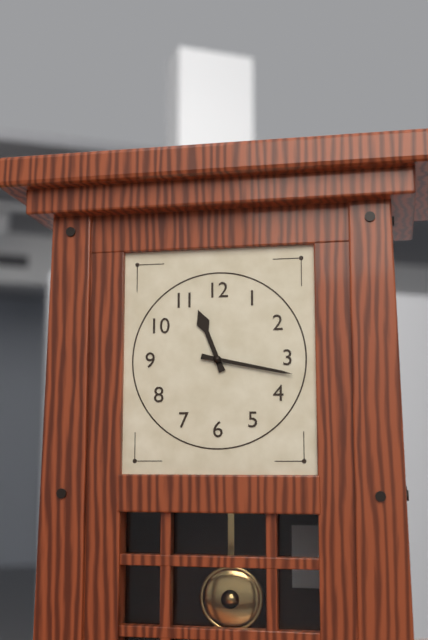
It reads **11:17**
